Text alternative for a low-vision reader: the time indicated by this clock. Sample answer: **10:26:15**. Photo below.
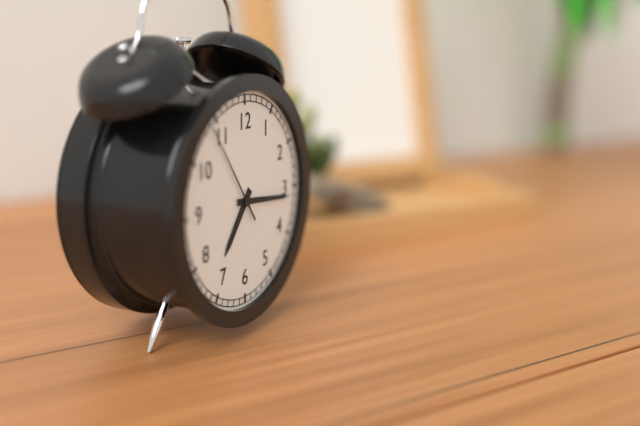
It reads **7:16:54**
